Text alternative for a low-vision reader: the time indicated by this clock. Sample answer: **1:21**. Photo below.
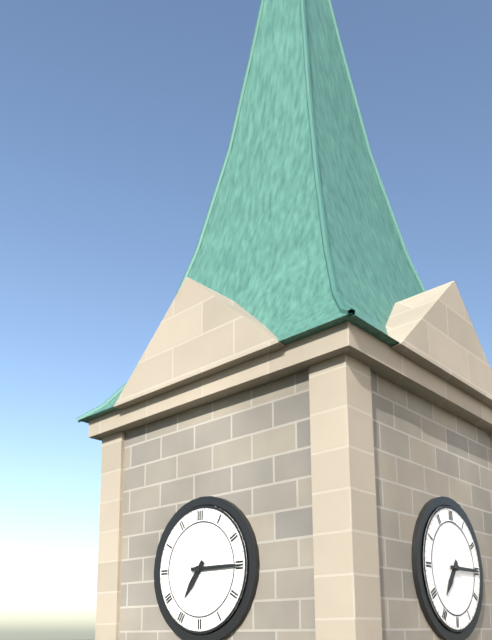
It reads **7:15**
